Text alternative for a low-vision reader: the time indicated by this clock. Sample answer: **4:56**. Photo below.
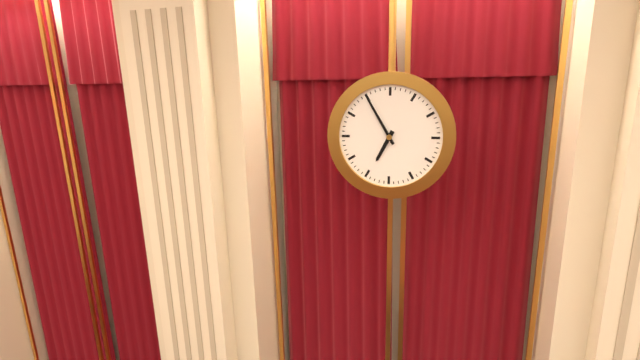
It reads **6:55**
